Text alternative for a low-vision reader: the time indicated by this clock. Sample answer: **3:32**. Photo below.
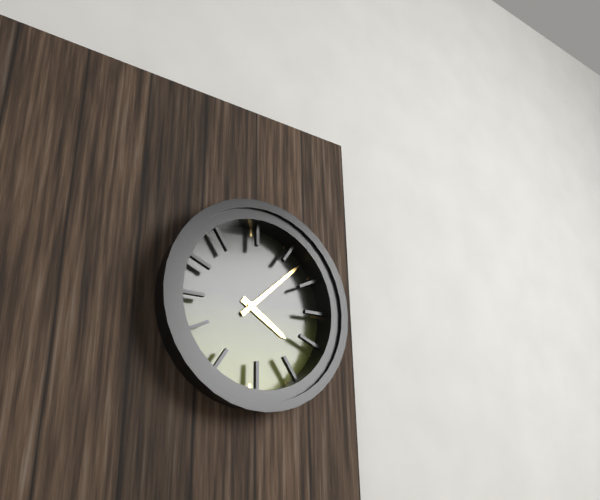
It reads **4:08**
